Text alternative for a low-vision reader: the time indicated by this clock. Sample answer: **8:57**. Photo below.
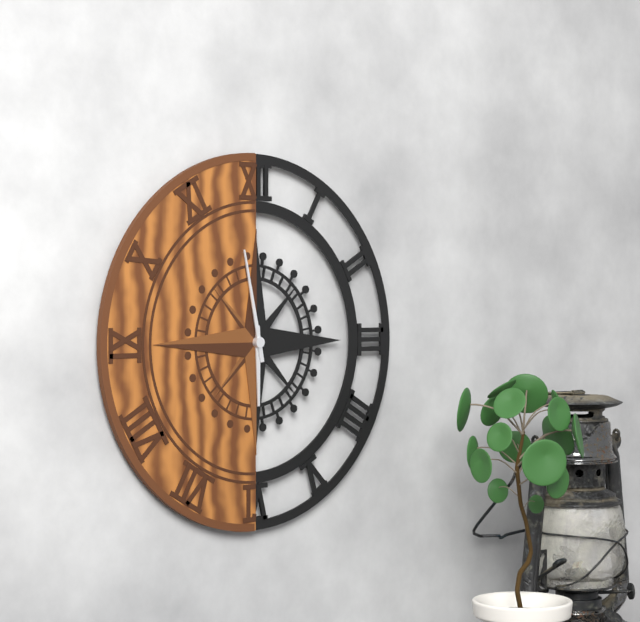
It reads **5:58**
